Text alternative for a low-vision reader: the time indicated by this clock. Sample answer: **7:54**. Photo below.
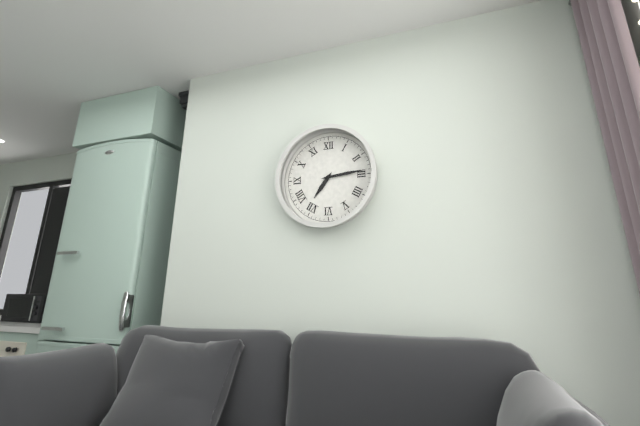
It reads **7:14**
